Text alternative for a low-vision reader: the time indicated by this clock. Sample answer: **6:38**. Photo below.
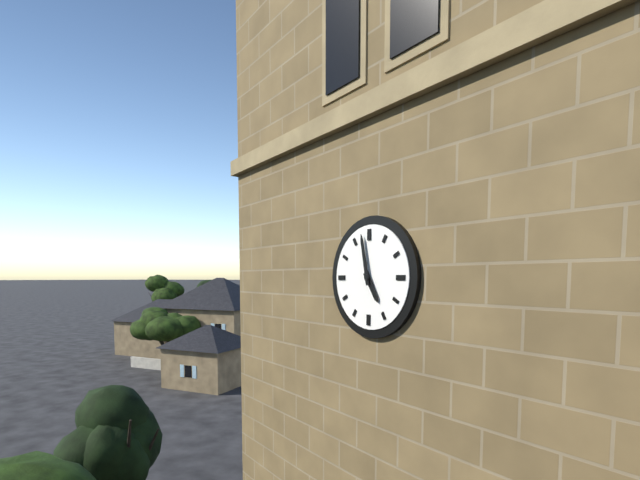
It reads **4:58**
